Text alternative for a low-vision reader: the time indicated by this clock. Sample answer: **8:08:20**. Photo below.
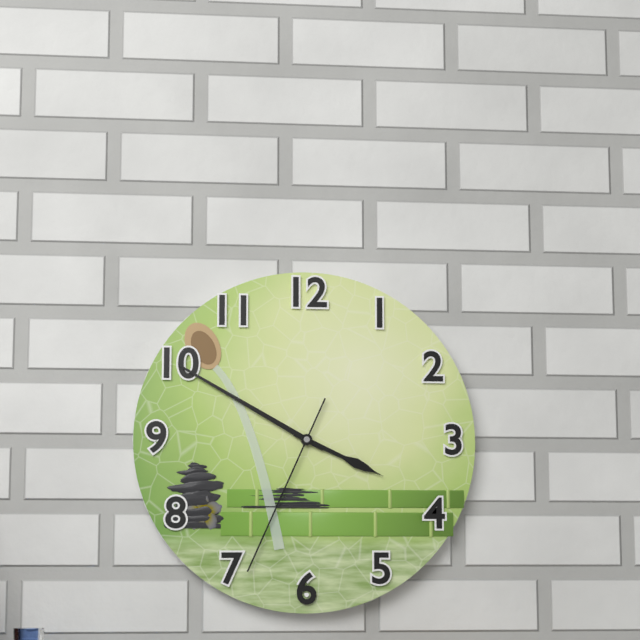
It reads **3:50:34**
